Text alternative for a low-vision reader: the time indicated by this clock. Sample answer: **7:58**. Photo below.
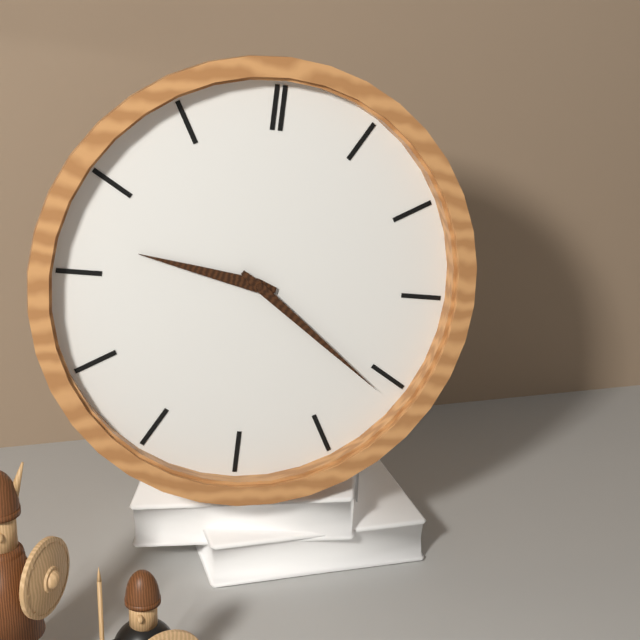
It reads **9:21**
